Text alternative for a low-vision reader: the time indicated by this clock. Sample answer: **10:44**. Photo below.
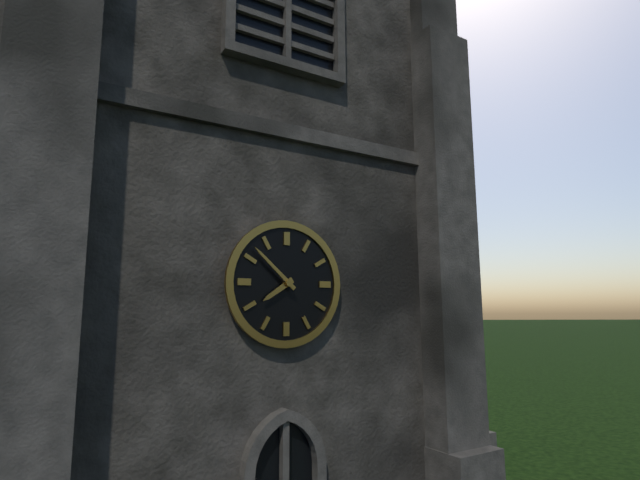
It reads **7:52**
